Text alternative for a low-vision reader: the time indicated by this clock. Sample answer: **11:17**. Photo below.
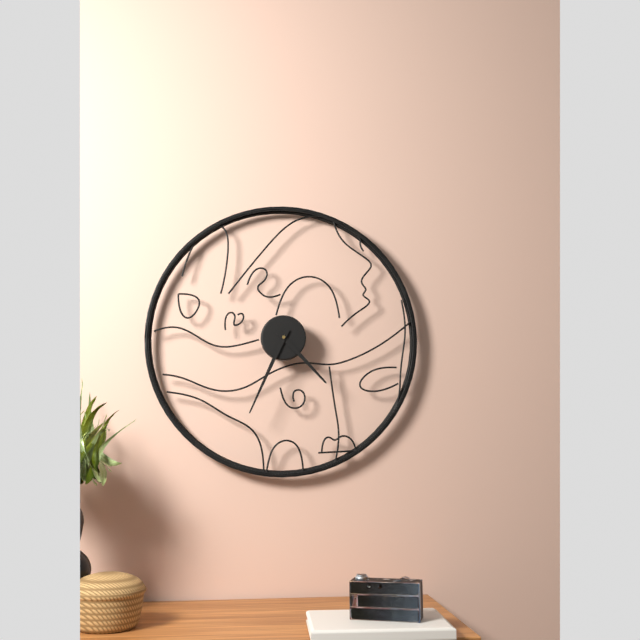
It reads **4:34**
